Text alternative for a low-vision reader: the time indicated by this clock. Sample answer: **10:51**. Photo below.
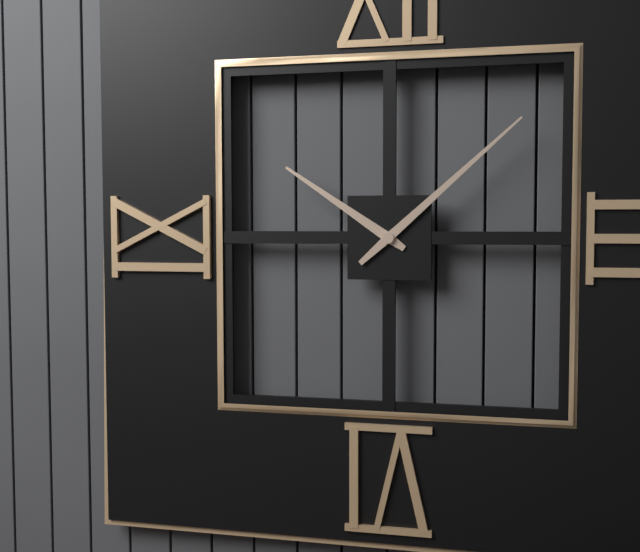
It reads **10:08**
